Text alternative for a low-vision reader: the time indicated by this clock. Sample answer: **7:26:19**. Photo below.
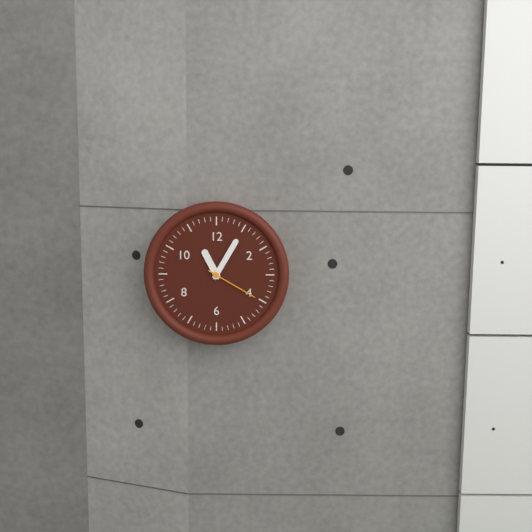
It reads **11:05:20**
